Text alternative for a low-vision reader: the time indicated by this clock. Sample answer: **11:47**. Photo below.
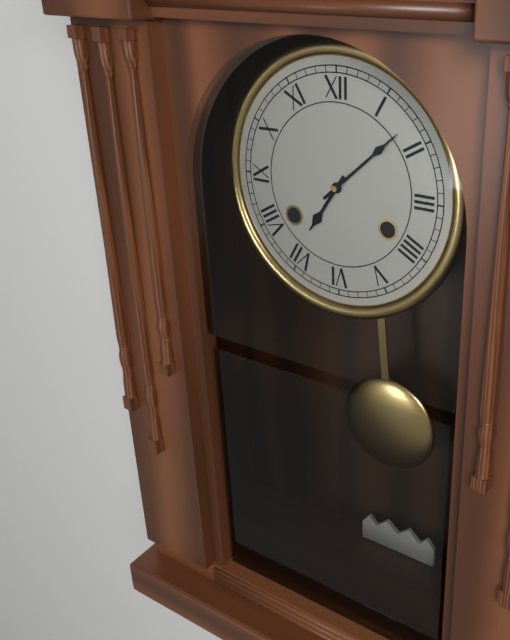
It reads **7:08**
